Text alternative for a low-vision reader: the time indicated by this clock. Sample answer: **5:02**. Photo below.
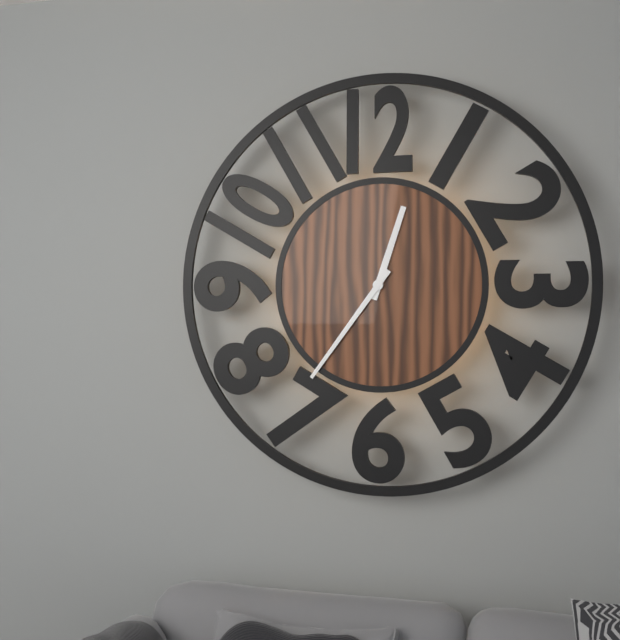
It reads **12:36**
